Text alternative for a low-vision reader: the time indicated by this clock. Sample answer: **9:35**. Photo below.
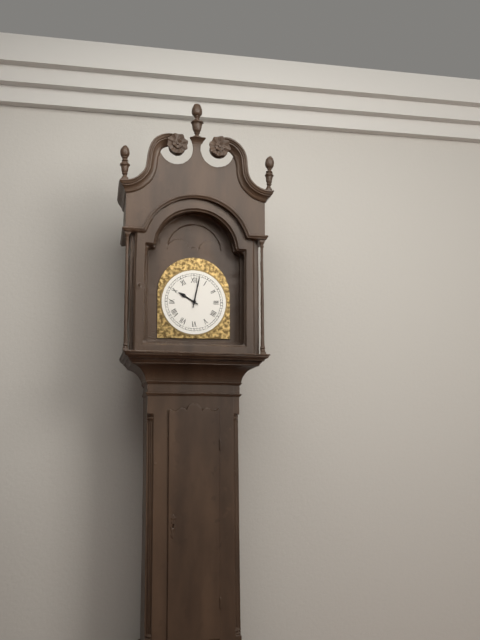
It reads **10:02**
